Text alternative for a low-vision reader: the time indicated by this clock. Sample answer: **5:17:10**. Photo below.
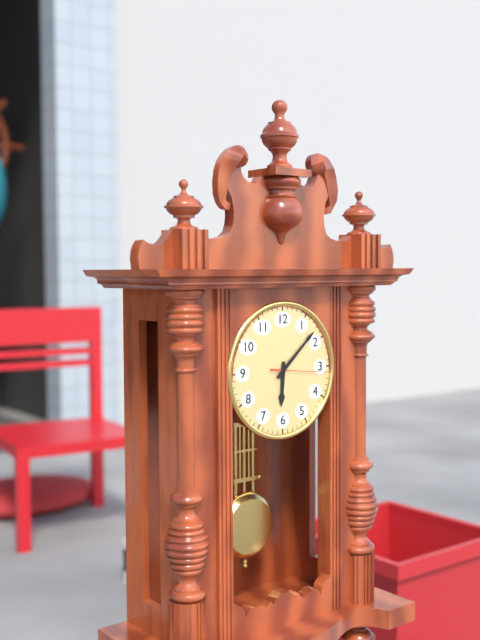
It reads **6:08:16**
